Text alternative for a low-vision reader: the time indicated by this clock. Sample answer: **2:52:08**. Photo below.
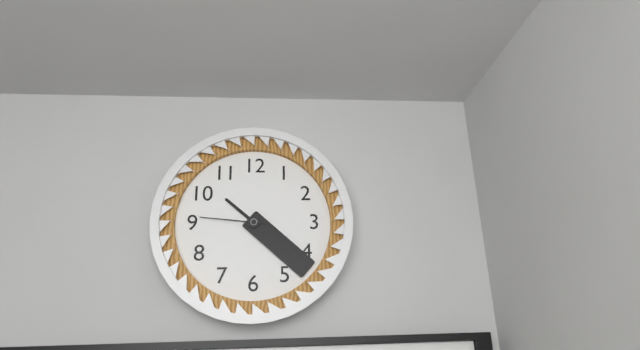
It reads **10:22:46**
